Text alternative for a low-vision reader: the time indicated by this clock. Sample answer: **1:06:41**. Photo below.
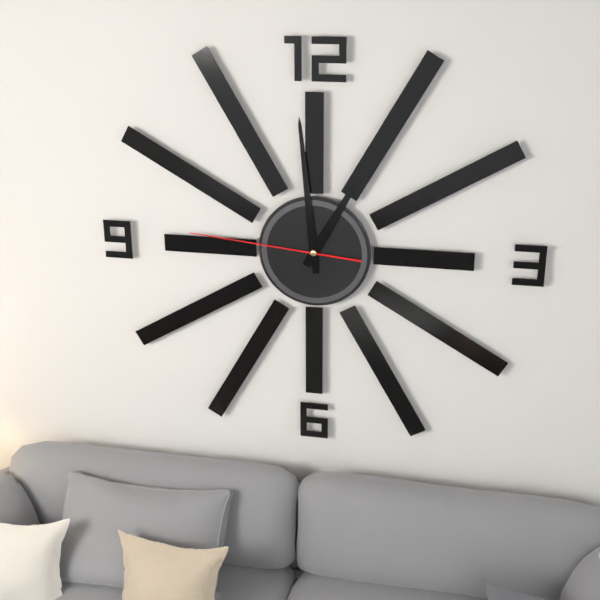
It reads **12:59:46**
